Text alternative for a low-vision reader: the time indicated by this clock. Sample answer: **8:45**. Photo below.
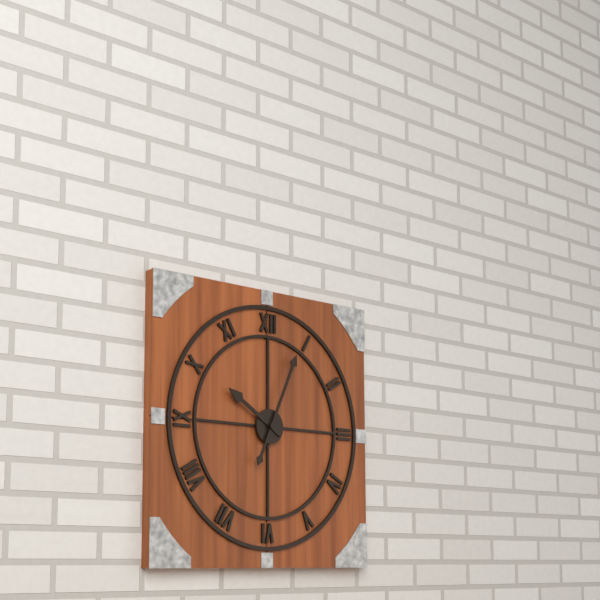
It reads **10:04**
